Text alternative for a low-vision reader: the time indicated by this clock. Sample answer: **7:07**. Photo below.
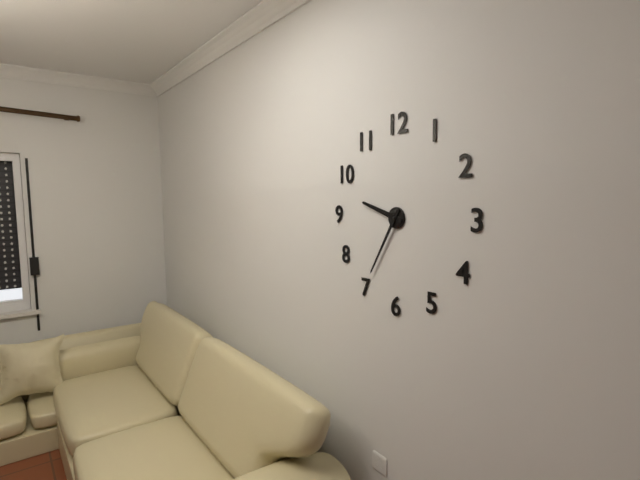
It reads **9:35**
